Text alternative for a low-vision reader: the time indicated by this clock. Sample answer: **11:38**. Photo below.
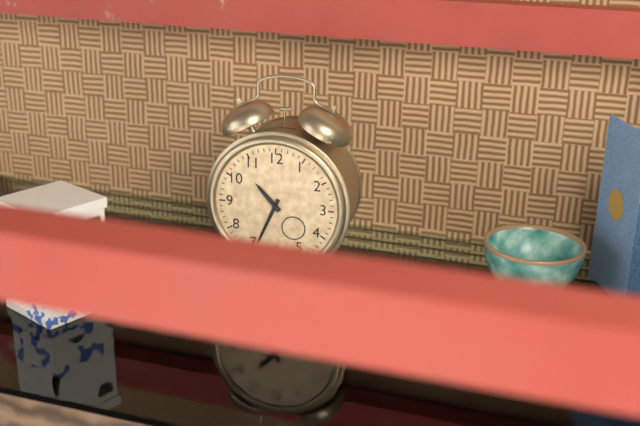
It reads **10:34**
